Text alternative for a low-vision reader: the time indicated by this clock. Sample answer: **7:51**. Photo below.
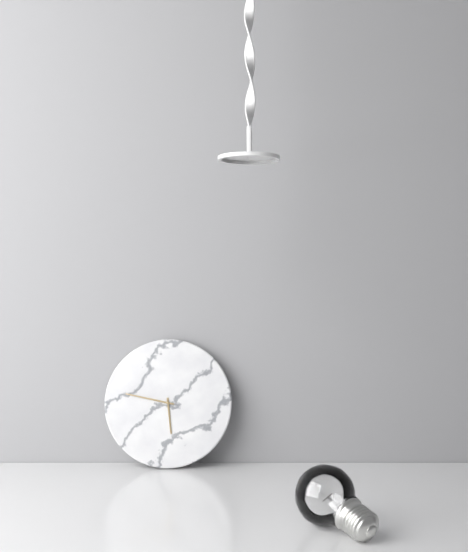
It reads **5:47**
